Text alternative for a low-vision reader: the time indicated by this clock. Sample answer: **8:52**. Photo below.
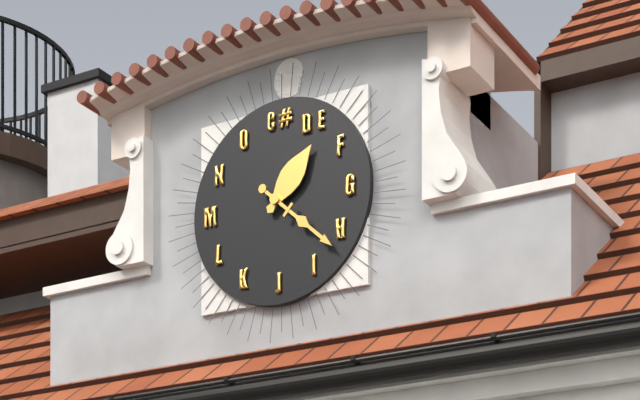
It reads **1:22**
